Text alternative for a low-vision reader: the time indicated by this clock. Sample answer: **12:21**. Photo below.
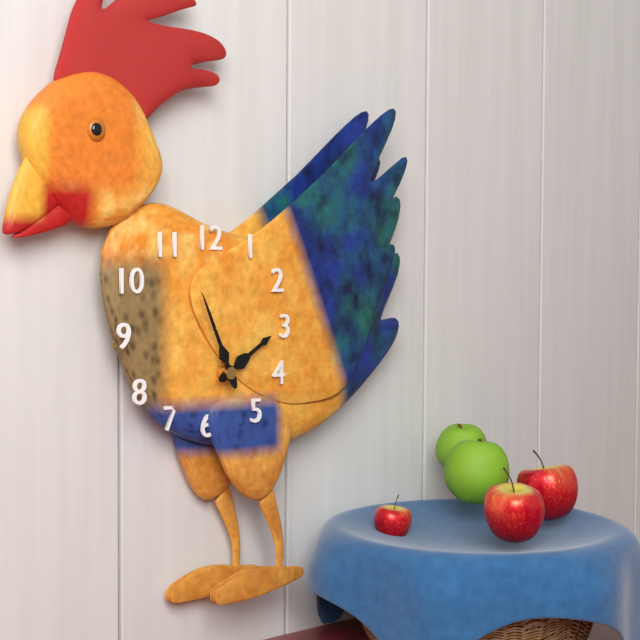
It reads **1:56**
